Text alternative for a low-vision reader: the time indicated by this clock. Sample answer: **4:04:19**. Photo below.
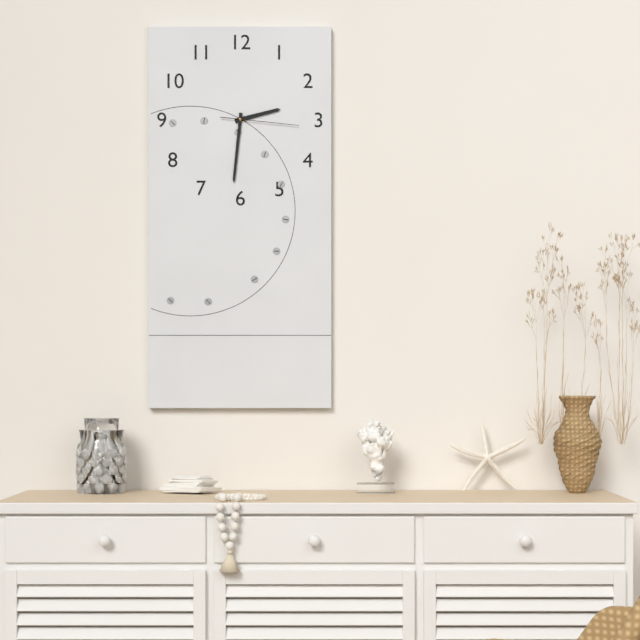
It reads **2:31:16**
